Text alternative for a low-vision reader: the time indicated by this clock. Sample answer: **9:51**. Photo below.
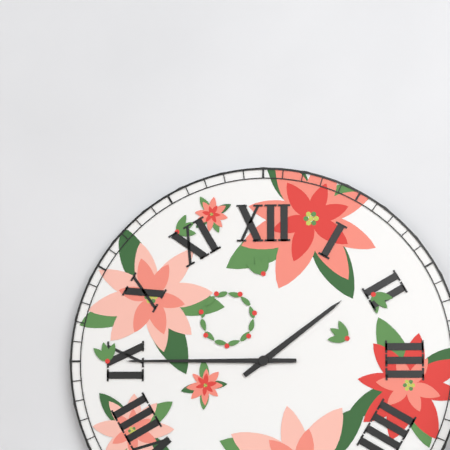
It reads **1:45**
